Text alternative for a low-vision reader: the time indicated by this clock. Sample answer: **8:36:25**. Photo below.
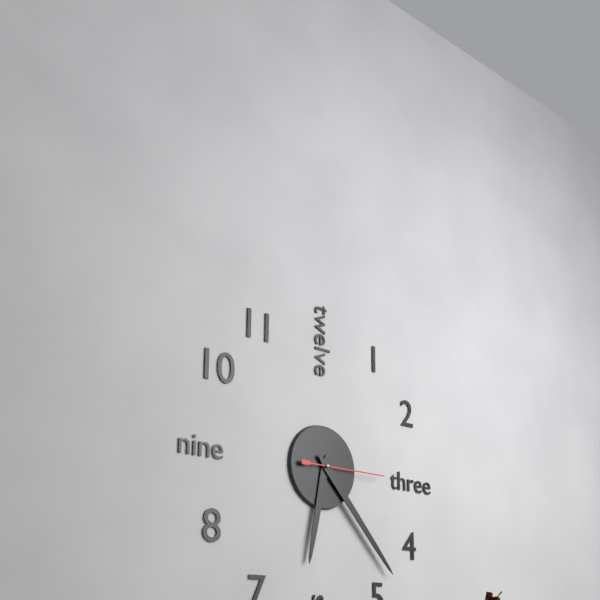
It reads **6:23:15**
